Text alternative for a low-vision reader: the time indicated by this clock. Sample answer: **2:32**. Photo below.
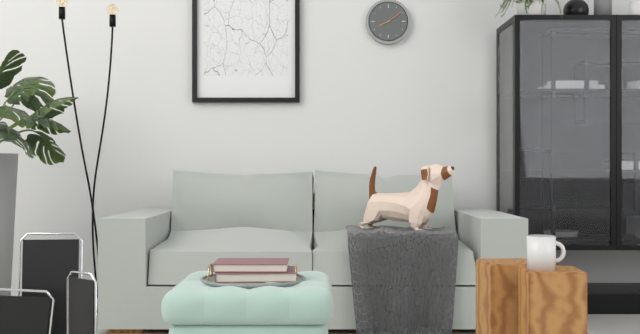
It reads **8:09**
